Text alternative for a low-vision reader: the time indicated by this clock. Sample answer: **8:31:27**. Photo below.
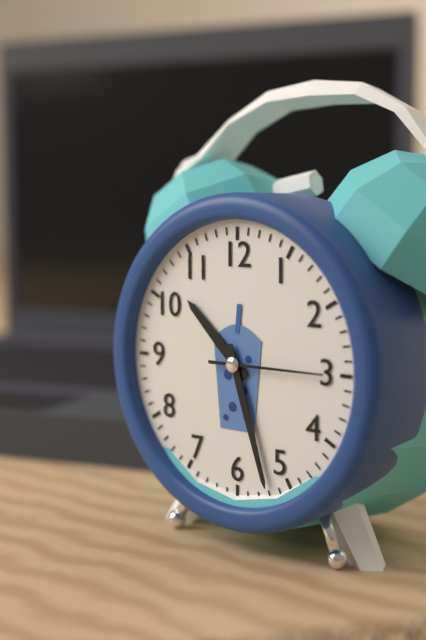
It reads **10:27:15**
